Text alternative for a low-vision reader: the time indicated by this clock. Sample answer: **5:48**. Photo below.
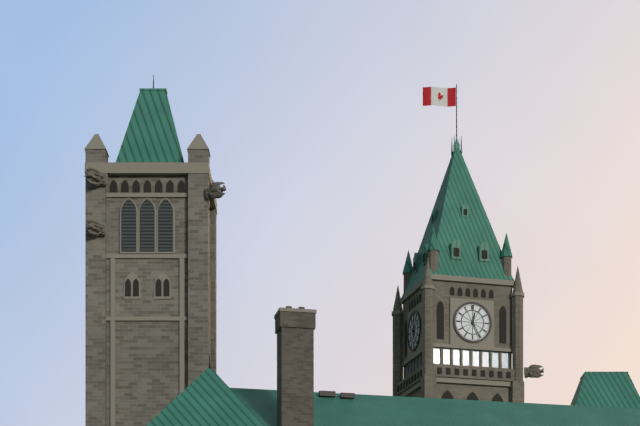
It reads **12:26**
